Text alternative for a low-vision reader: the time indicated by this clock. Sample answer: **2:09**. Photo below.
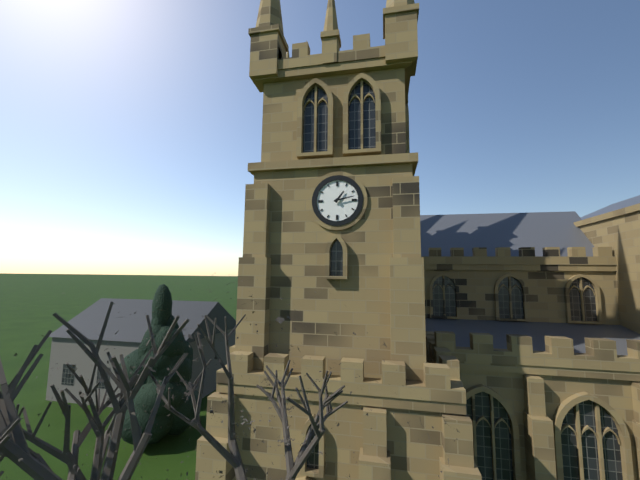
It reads **1:13**
